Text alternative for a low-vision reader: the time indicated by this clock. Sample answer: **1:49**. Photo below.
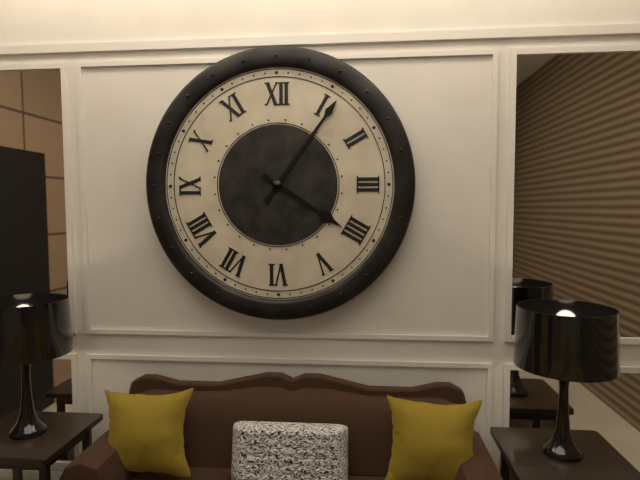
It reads **4:06**
